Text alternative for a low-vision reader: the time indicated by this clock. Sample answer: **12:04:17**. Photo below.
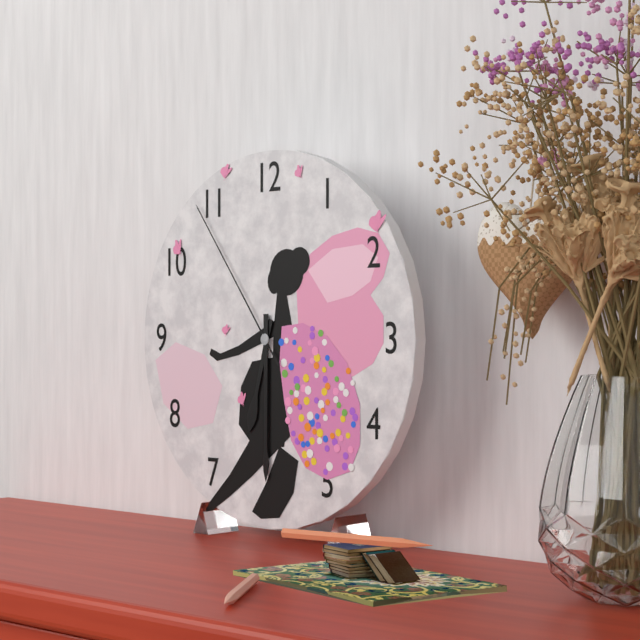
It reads **6:30:54**
